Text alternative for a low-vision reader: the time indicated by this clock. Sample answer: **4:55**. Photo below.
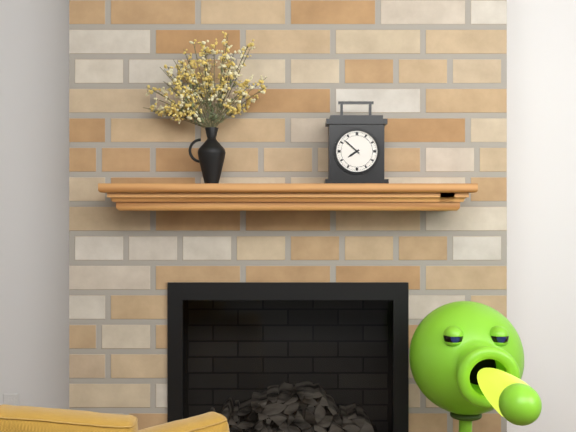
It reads **7:52**
